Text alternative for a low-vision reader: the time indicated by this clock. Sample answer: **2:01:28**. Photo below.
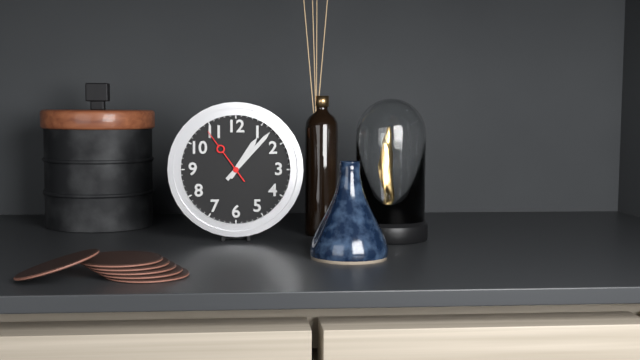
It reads **1:07:54**
